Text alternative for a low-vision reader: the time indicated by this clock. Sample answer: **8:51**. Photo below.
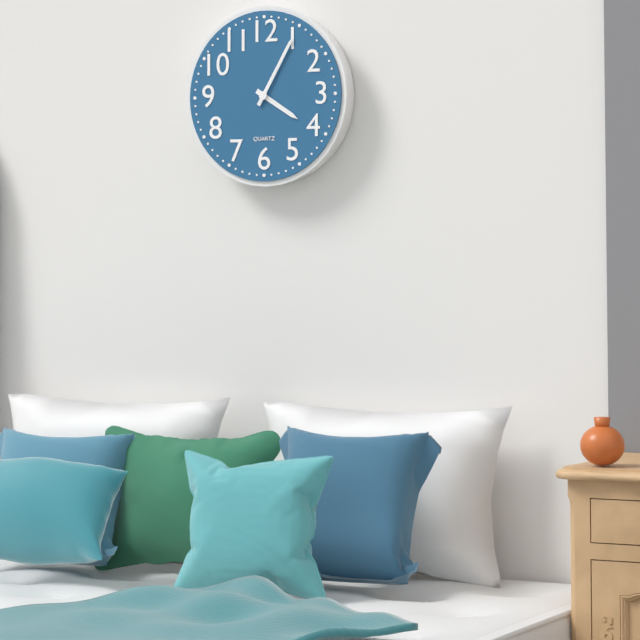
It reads **4:05**
